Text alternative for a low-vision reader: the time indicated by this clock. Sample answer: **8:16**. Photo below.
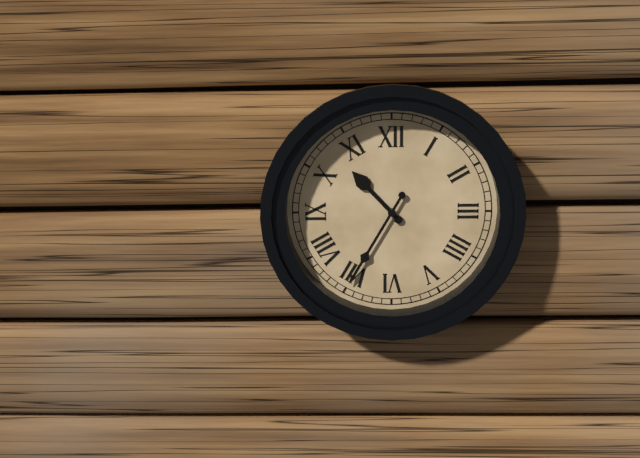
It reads **10:35**
